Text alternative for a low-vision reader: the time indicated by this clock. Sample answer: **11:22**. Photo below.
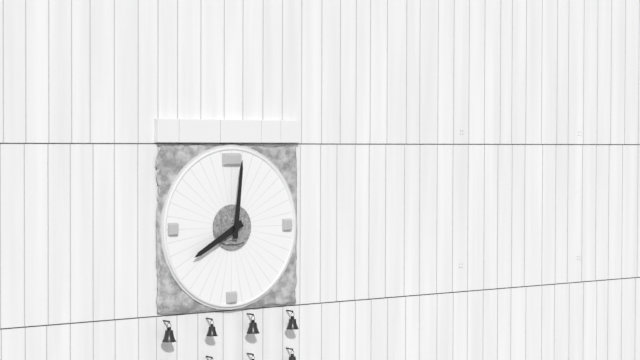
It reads **8:01**
